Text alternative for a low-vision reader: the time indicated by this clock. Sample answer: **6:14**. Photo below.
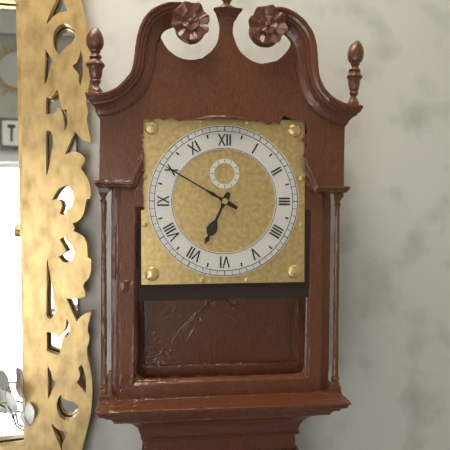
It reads **6:50**
